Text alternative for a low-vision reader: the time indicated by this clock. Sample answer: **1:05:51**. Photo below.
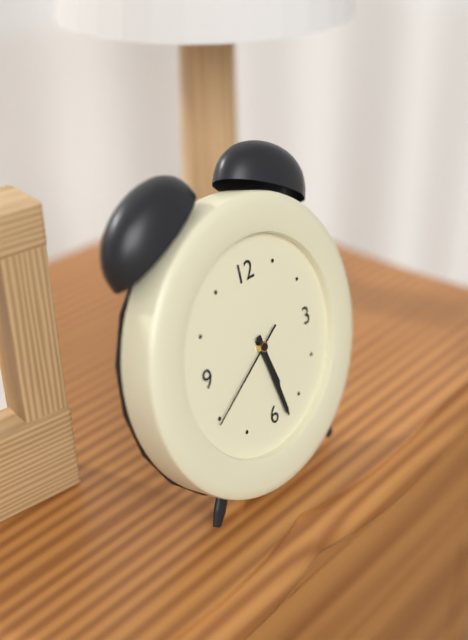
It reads **5:28:40**
